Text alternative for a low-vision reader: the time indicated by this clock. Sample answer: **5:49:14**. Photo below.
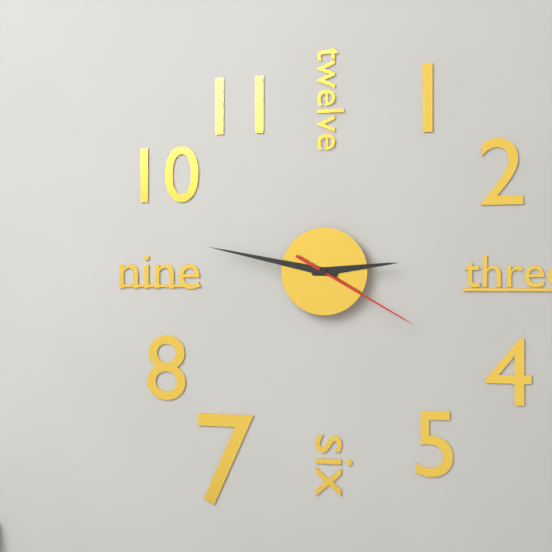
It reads **2:47:20**
